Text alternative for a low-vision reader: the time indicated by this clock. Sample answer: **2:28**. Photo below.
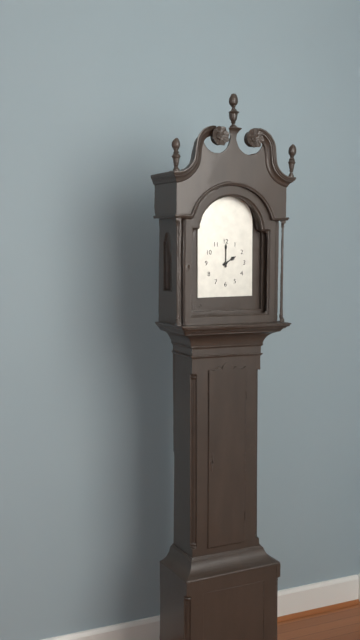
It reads **2:00**
